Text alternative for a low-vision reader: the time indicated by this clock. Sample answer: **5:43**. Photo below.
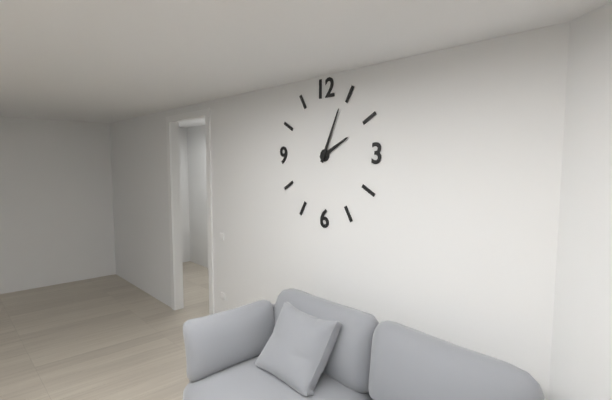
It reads **2:04**
